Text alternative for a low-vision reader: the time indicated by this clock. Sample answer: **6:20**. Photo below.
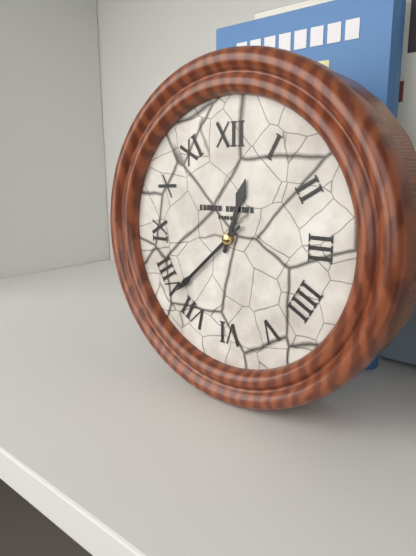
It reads **12:38**
